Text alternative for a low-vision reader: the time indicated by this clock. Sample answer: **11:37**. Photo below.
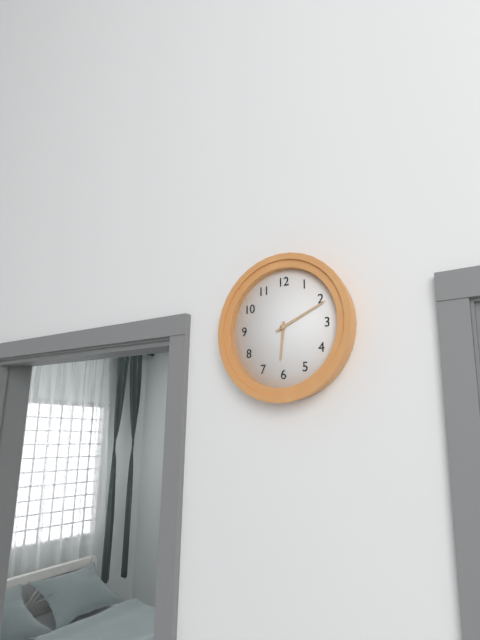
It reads **6:11**
